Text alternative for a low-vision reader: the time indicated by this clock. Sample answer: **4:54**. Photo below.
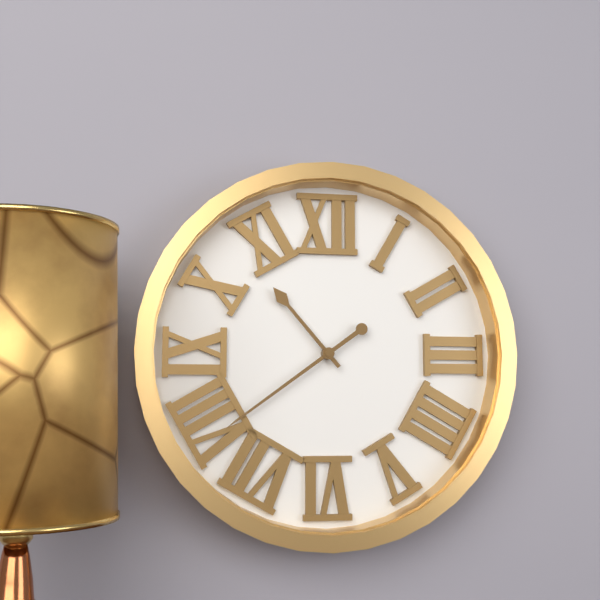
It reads **10:39**
